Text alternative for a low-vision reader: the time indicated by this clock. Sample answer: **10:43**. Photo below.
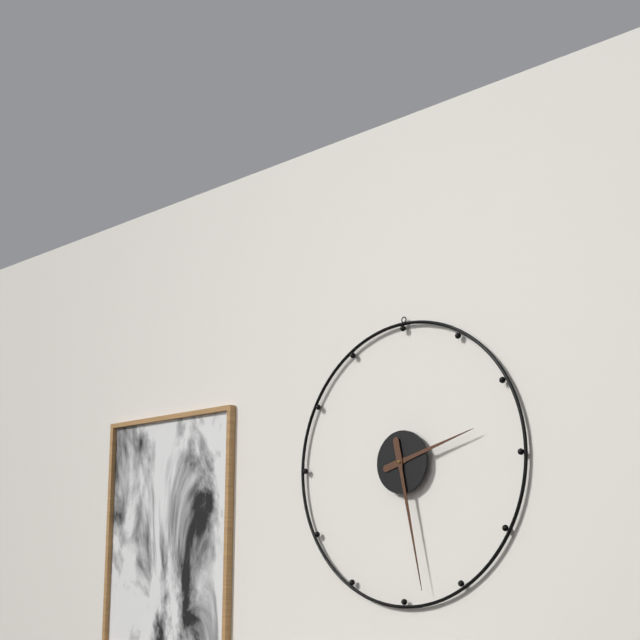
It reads **2:28**
